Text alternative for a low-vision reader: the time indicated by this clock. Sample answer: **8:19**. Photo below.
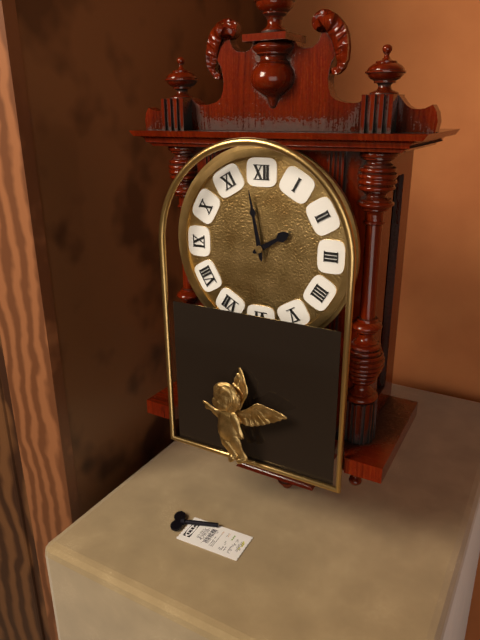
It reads **1:58**
